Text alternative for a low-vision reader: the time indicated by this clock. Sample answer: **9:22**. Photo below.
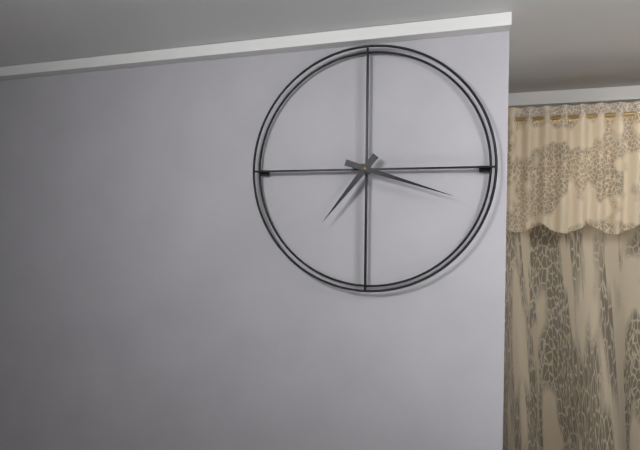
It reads **7:18**
